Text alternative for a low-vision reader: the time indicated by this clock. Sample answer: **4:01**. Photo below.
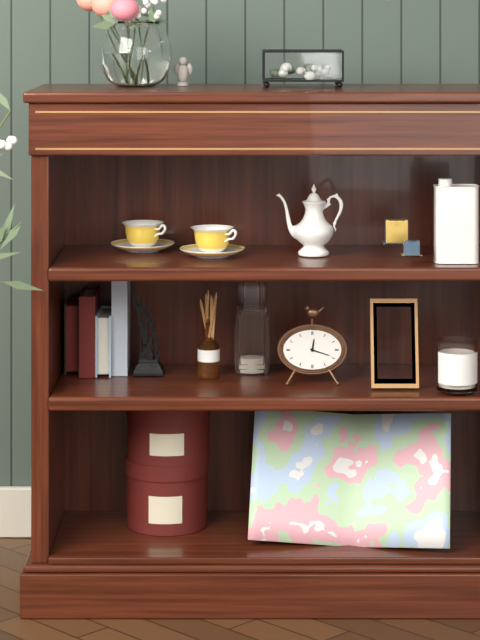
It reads **12:18**
